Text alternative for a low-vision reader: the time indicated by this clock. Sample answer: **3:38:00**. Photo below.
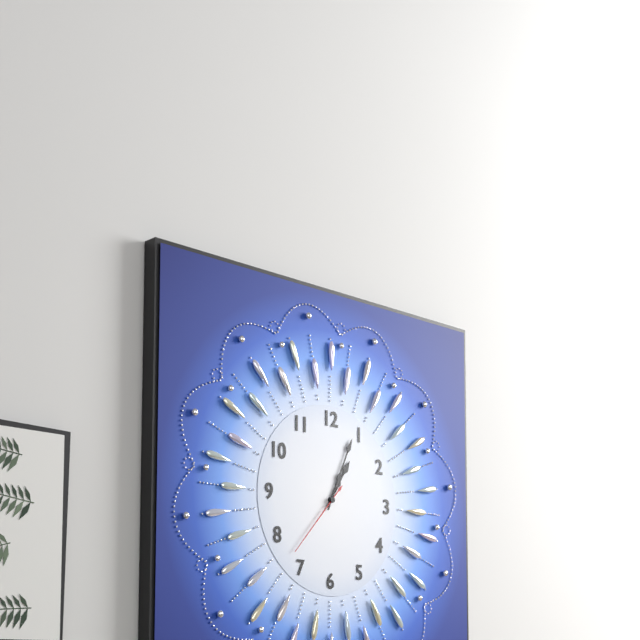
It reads **1:04:37**
